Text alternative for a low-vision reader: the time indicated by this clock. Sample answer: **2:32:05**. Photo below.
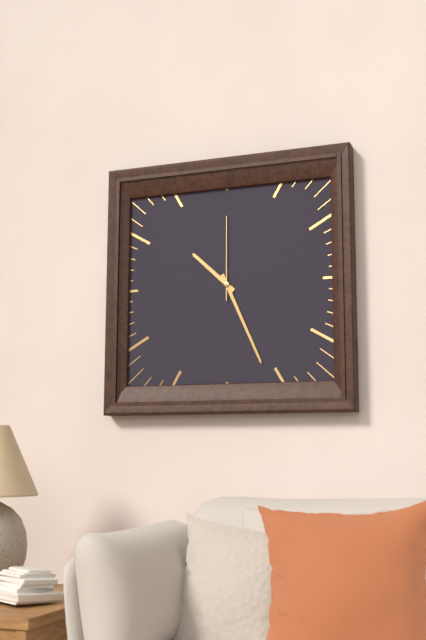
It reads **10:26:00**
